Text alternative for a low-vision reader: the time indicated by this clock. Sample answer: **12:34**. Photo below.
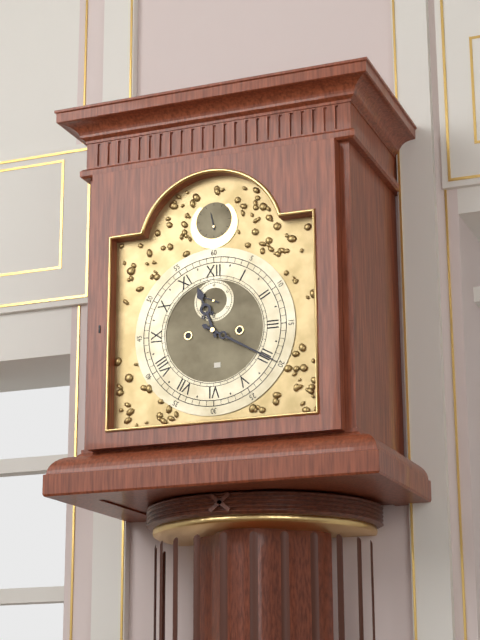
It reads **11:20**
